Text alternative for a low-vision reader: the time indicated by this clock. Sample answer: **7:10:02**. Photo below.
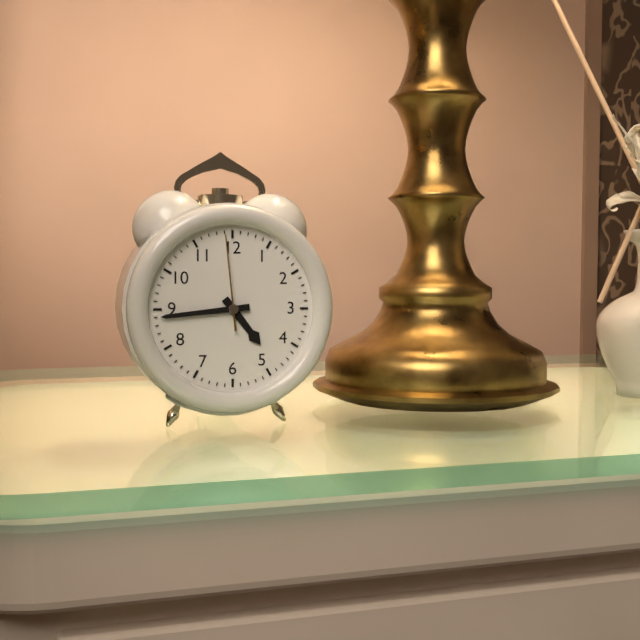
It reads **4:44:59**
